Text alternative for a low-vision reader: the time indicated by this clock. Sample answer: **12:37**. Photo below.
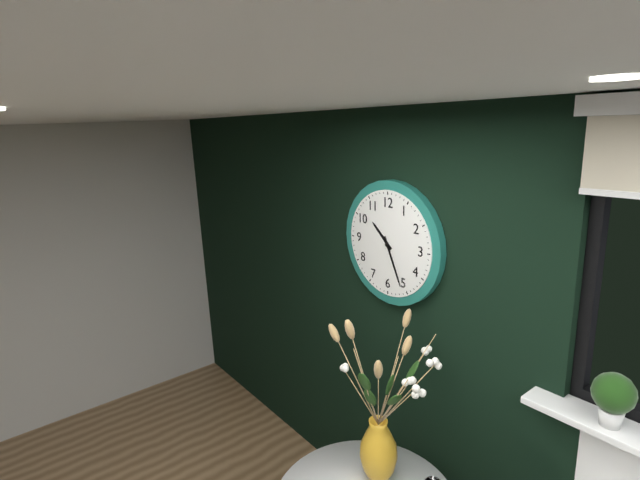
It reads **10:26**
